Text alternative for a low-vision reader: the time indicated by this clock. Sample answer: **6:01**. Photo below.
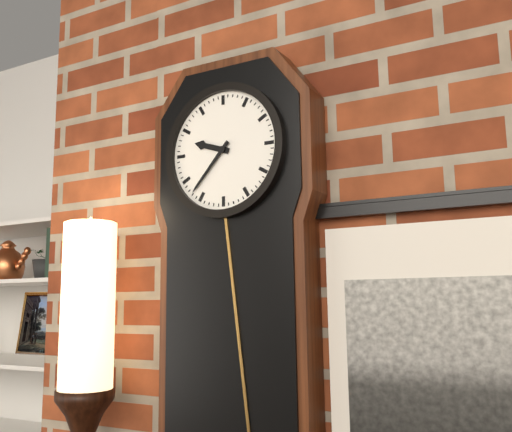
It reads **9:37**
